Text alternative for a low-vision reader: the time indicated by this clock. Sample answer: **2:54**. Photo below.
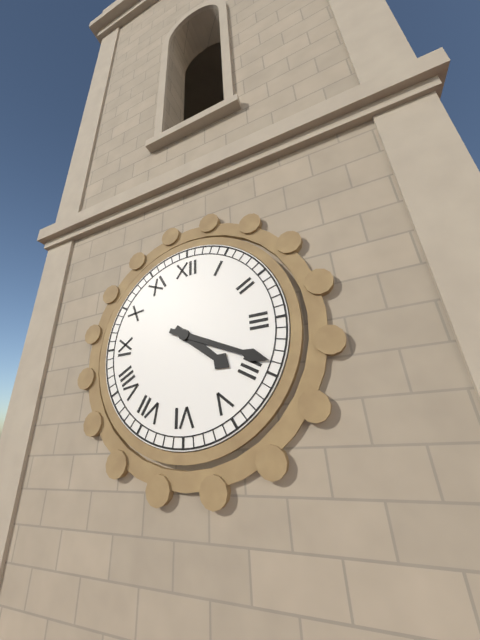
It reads **4:19**
